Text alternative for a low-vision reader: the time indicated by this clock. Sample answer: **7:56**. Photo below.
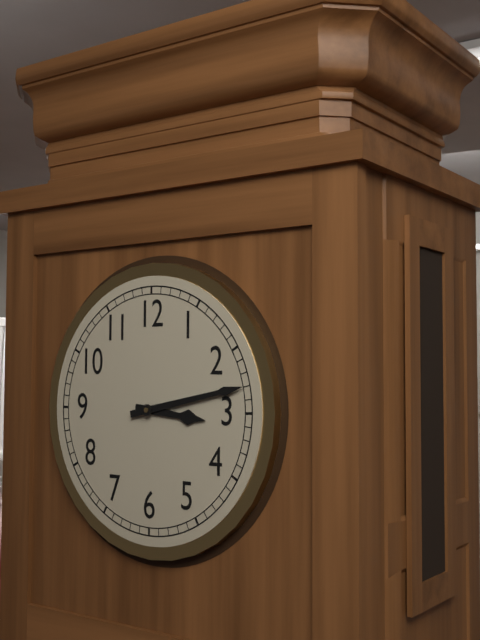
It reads **3:13**
